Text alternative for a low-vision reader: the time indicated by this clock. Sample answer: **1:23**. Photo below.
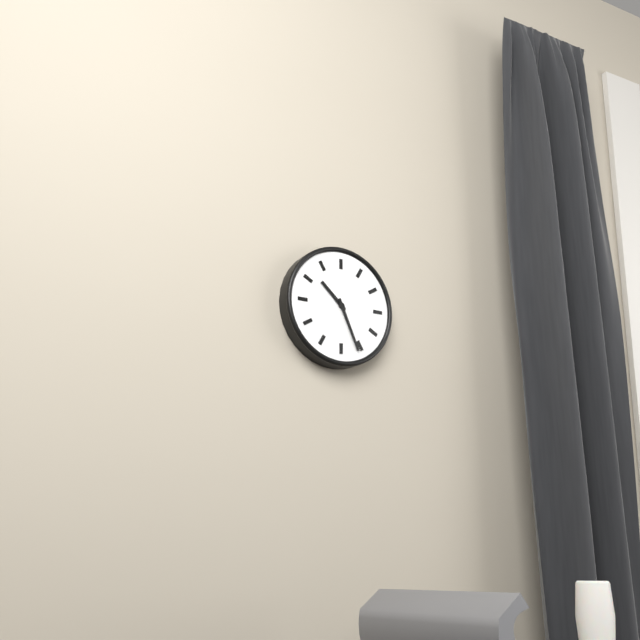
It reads **10:26**
